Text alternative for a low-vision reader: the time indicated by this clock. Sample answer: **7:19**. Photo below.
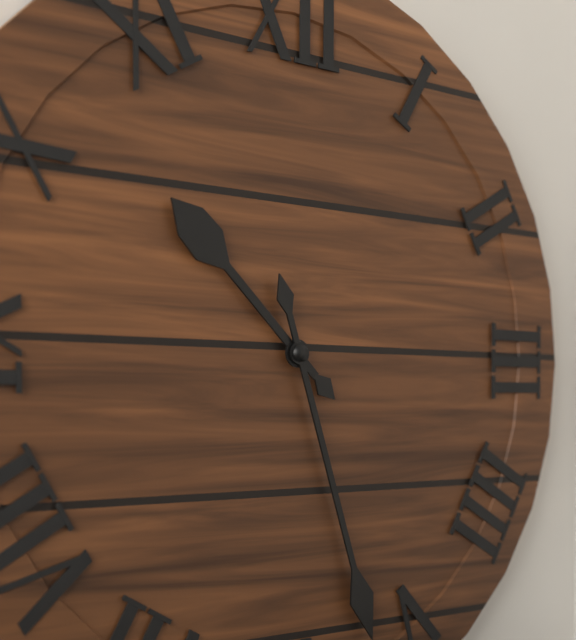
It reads **10:27**
